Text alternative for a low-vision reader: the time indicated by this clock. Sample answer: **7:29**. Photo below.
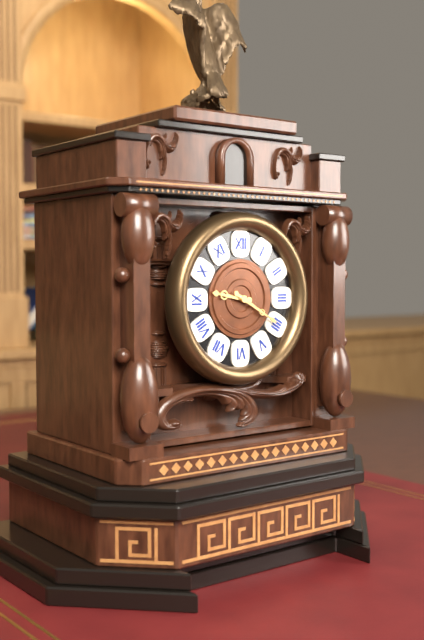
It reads **9:20**
